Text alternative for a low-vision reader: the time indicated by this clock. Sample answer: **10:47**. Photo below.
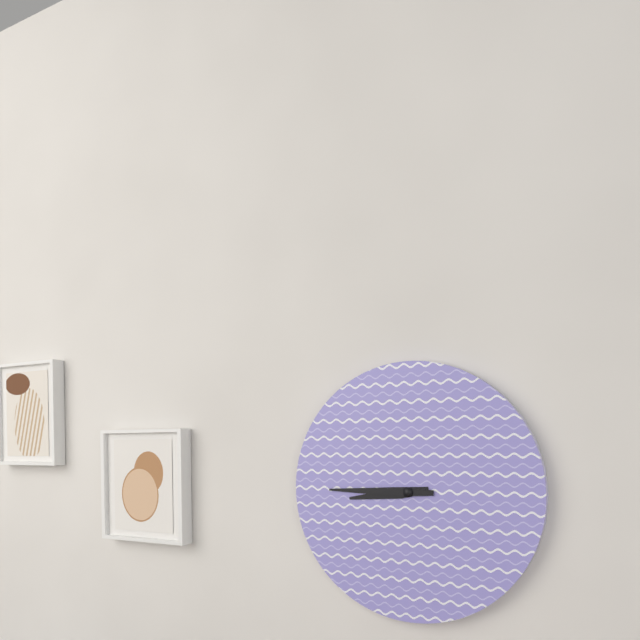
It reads **8:45**
